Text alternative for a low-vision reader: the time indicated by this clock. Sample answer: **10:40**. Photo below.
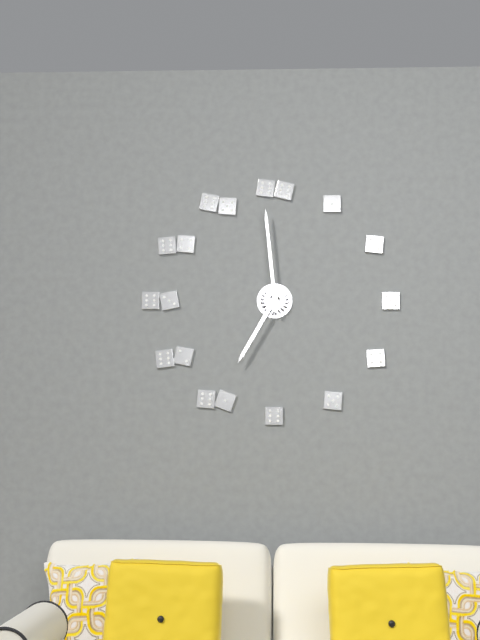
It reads **6:59**
